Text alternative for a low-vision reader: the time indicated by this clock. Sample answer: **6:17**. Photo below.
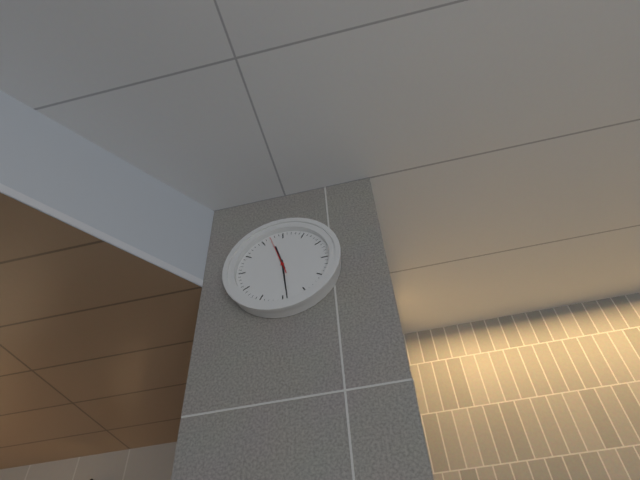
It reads **11:29**
